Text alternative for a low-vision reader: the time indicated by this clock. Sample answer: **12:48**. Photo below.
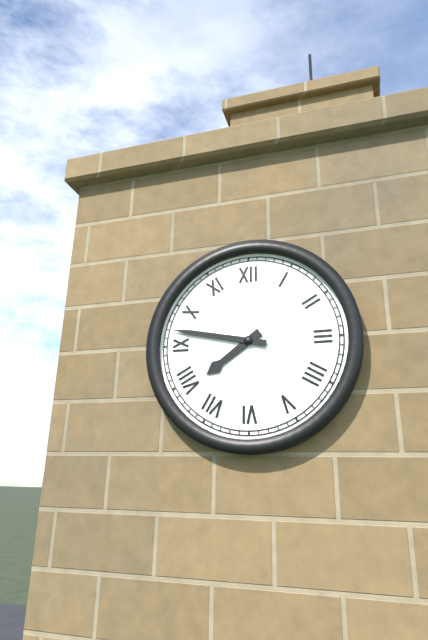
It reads **7:47**
